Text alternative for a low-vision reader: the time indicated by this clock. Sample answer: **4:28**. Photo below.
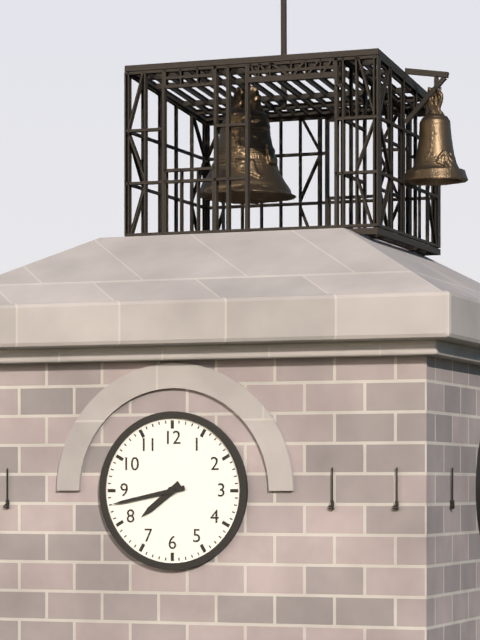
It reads **7:43**
